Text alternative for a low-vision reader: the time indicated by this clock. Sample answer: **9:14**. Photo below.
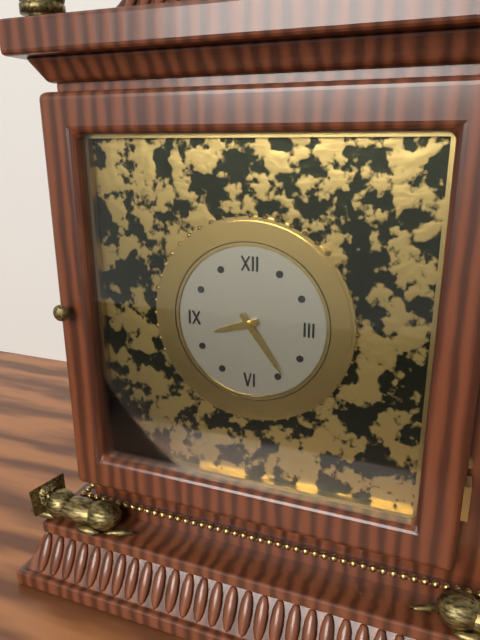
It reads **8:24**
